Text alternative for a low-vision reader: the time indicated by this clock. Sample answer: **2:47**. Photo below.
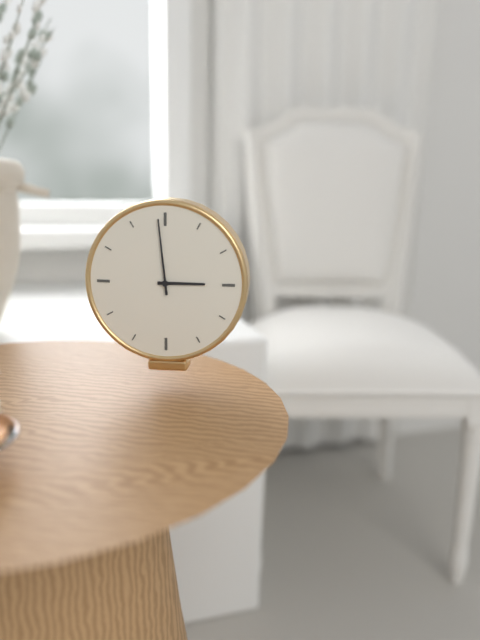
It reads **2:59**
